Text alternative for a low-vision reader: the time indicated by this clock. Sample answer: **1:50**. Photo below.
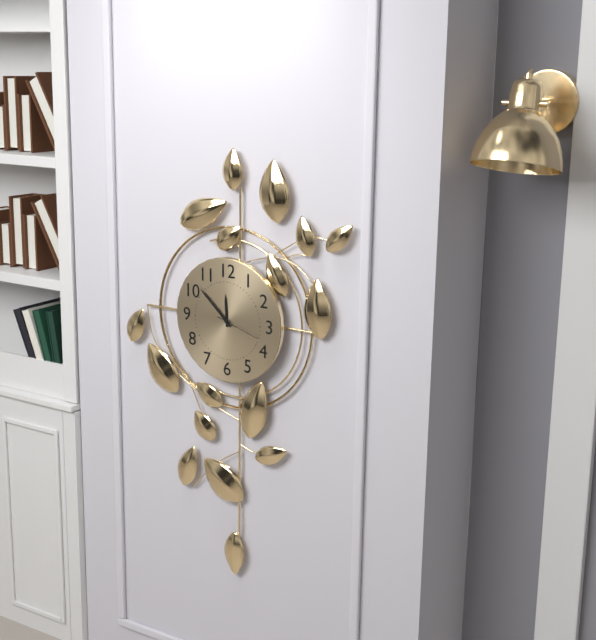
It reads **11:52**
